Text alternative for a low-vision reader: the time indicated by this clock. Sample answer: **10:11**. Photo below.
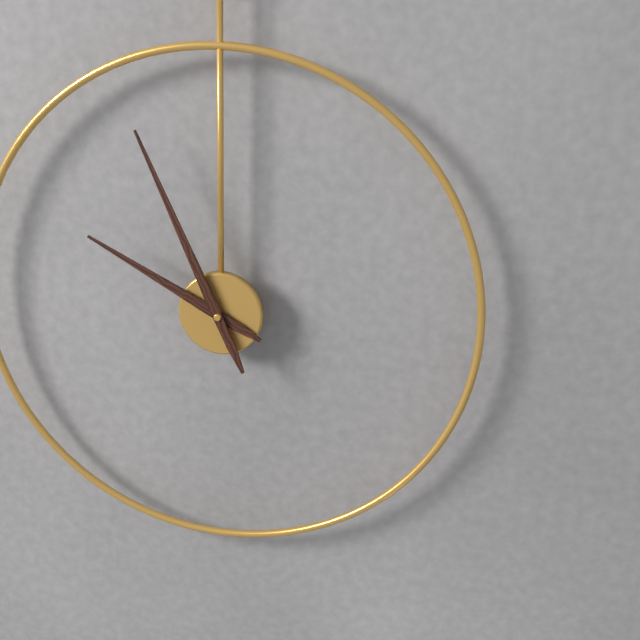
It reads **9:56**
